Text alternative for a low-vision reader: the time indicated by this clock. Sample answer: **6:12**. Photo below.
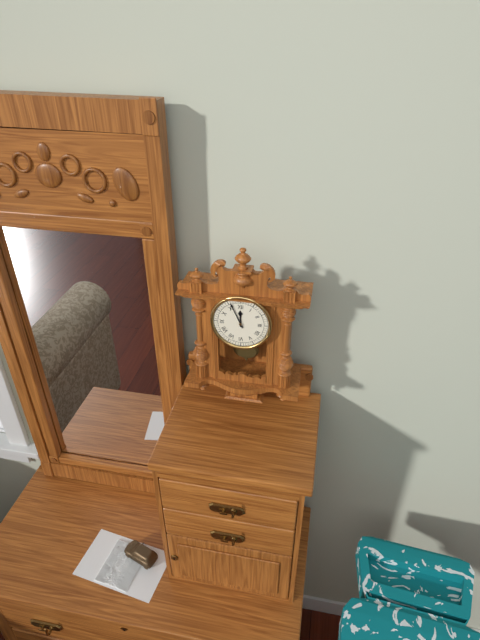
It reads **11:56**
